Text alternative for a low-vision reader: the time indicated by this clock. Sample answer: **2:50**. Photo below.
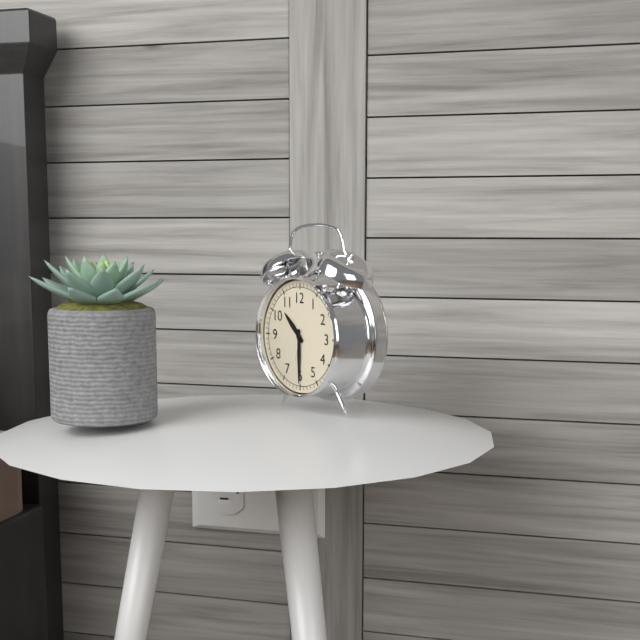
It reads **10:30**
